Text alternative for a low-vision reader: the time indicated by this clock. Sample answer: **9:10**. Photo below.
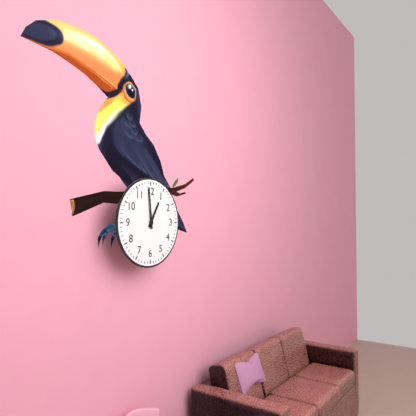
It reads **12:59**
